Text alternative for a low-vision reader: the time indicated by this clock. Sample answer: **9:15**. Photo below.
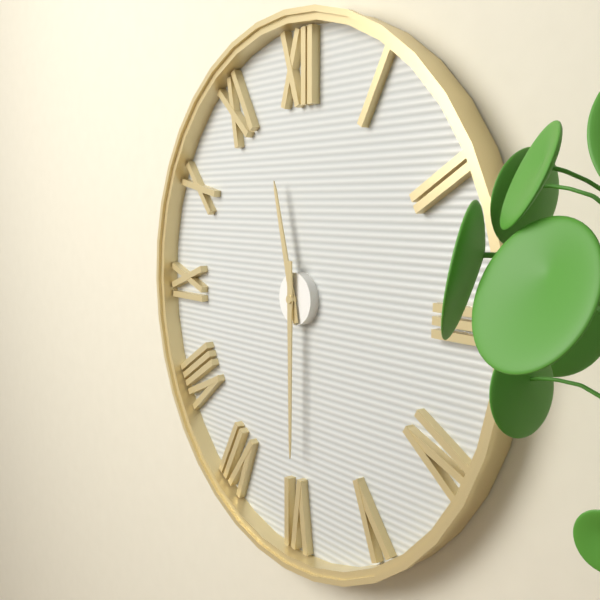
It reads **11:30**
